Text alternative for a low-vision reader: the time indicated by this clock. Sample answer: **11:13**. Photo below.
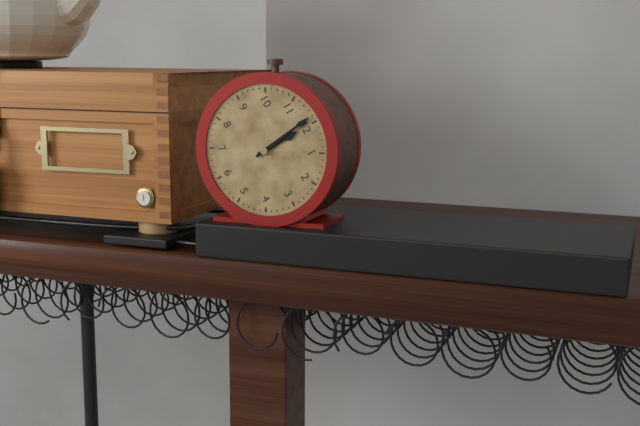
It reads **11:59**
